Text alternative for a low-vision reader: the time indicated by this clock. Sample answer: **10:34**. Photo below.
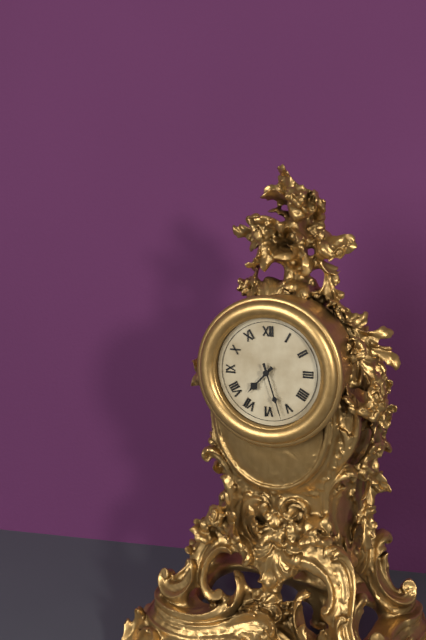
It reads **7:27**
